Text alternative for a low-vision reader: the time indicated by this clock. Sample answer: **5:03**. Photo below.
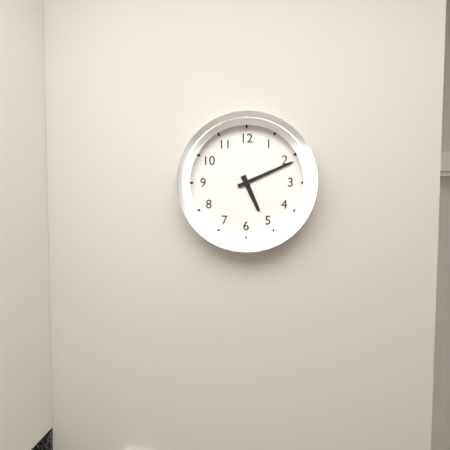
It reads **5:11**
